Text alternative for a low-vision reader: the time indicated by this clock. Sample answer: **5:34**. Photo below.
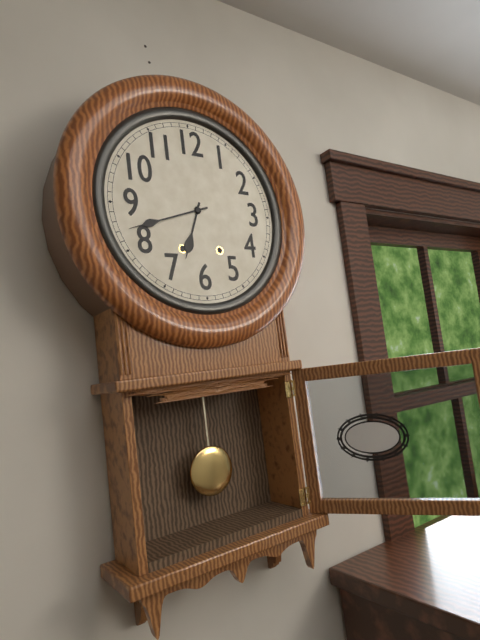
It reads **6:42**
